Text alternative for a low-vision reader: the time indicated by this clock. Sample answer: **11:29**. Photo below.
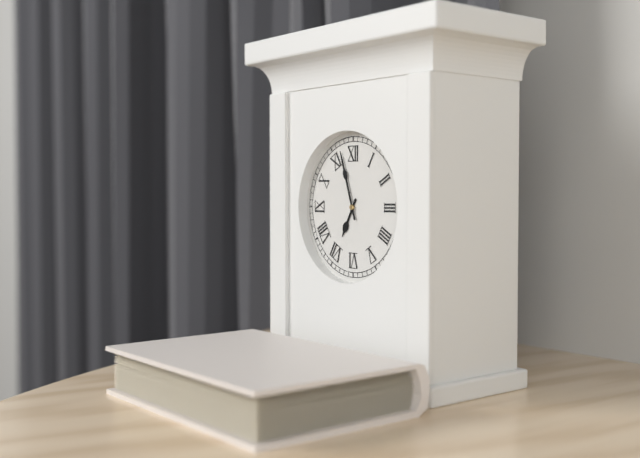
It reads **6:57**
